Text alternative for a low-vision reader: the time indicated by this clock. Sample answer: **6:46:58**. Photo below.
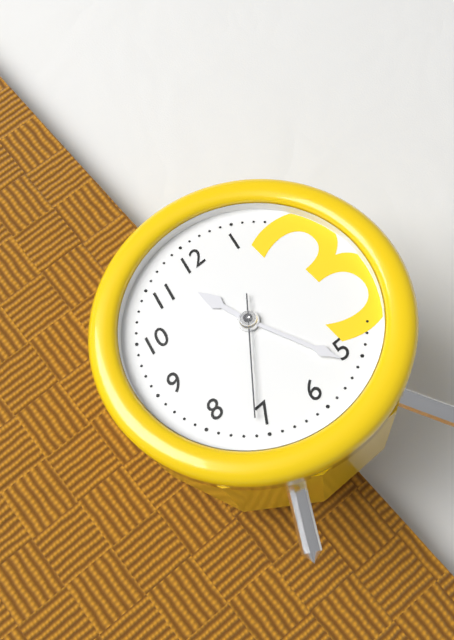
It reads **11:26:36**
